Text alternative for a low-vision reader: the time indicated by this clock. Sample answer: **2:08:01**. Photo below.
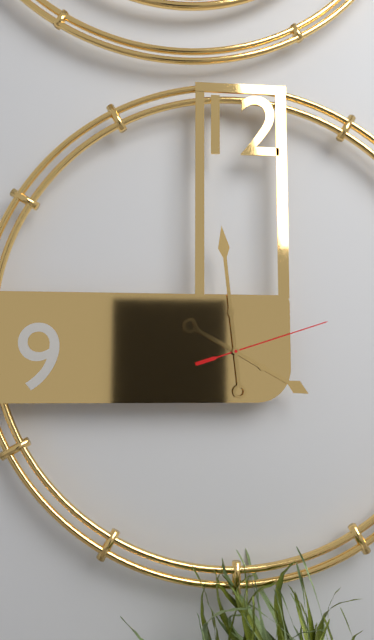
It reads **3:59:12**
